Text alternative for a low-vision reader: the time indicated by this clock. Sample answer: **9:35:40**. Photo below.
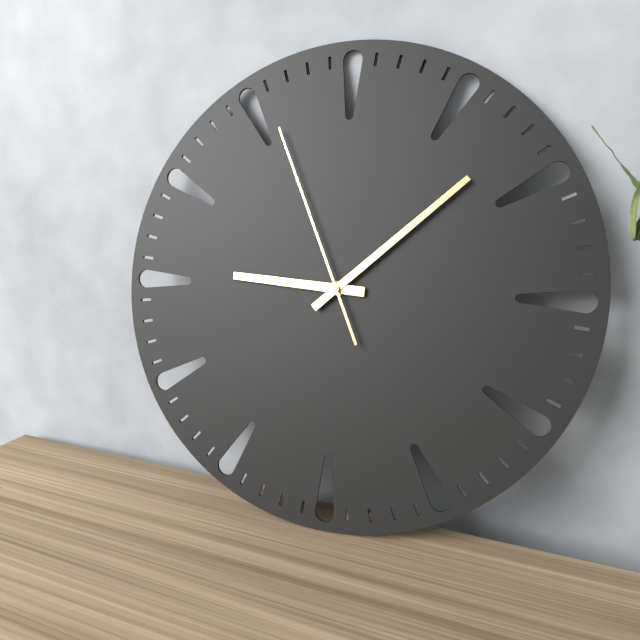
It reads **9:08:56**
